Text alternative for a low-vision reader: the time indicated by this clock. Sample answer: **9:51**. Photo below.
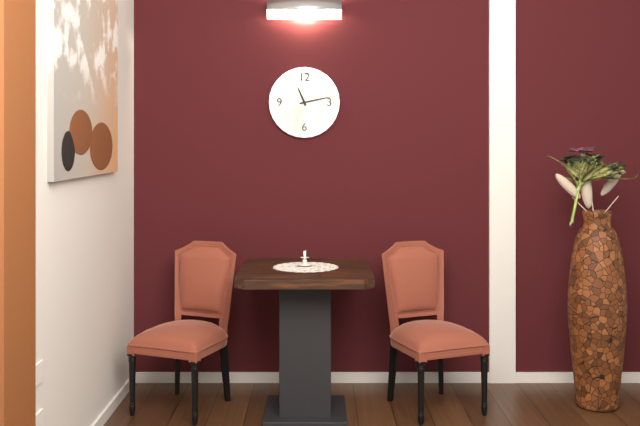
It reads **11:13**
